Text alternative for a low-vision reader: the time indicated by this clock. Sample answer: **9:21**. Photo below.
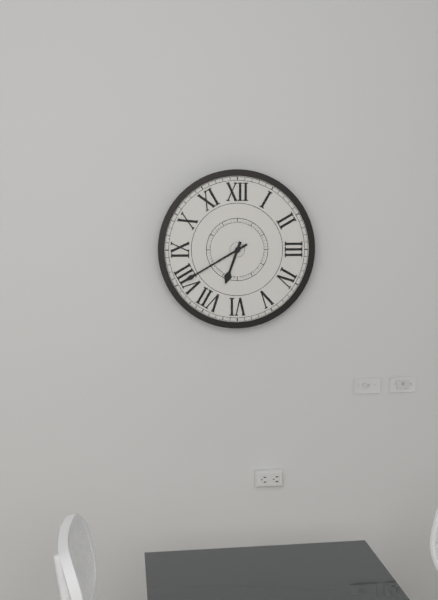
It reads **6:40**
